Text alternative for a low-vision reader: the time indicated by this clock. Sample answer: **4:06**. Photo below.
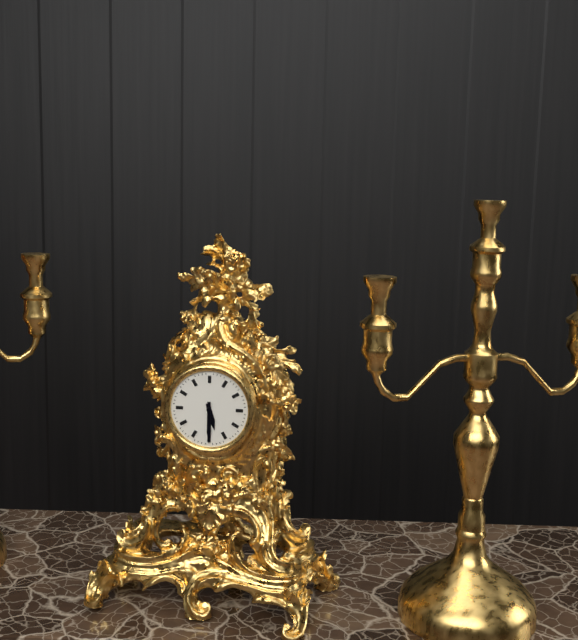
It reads **5:30**
